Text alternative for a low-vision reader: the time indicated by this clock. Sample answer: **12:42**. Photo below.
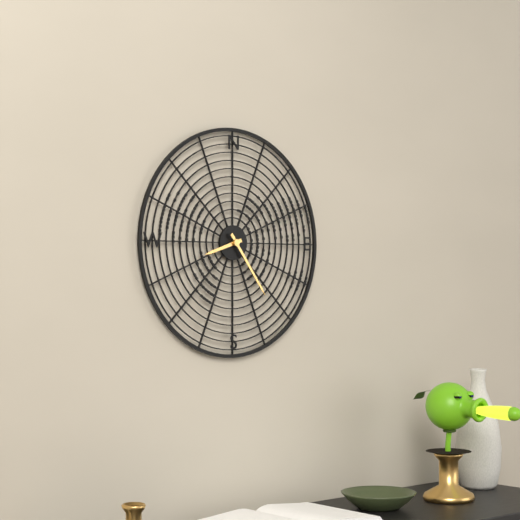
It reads **8:24**
